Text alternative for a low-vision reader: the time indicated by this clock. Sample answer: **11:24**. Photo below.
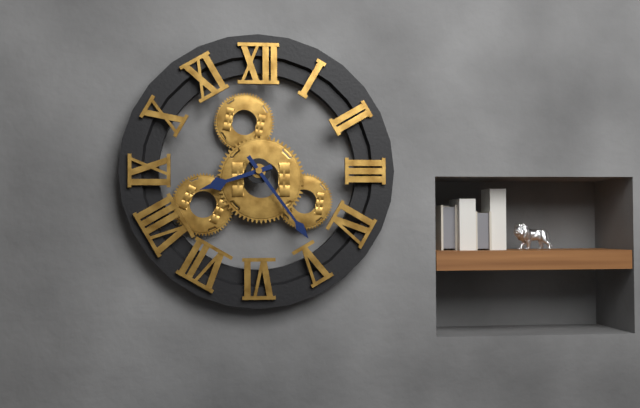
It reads **8:24**
